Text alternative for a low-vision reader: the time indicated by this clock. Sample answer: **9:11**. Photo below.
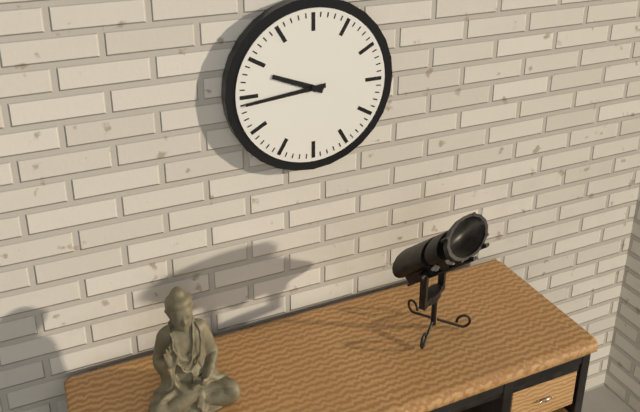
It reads **9:44**
